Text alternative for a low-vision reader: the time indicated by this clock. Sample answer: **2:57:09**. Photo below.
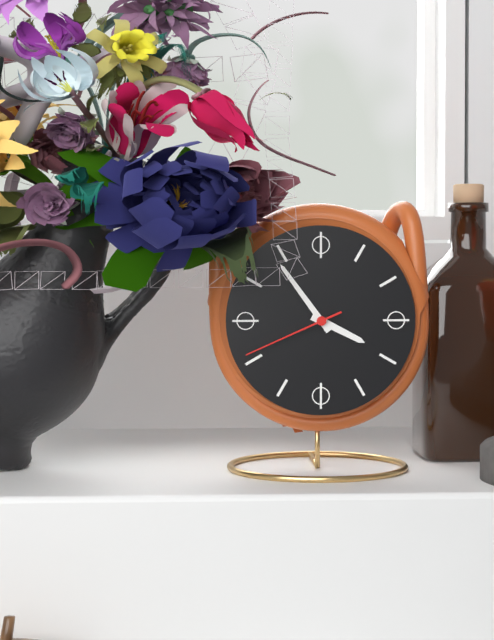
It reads **3:54:41**
